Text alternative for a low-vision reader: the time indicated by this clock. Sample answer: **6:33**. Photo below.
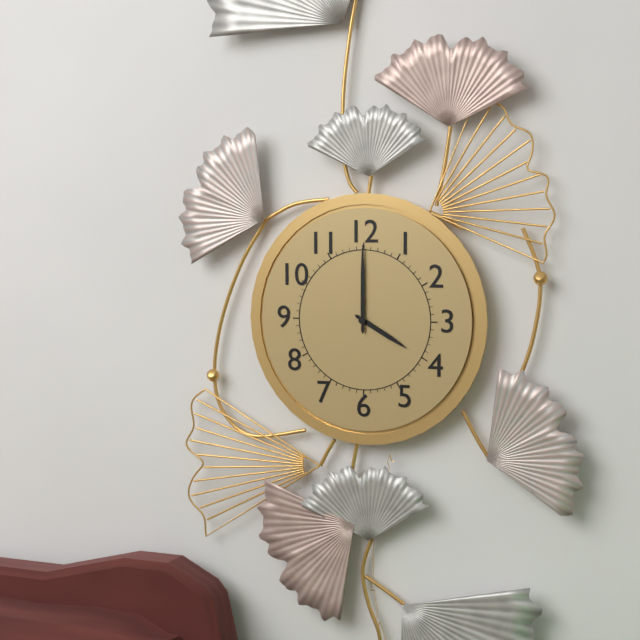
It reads **4:00**
